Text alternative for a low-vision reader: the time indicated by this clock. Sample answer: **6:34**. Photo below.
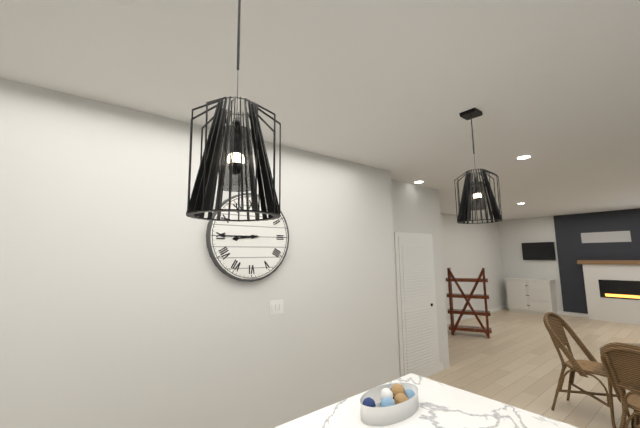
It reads **8:45**
